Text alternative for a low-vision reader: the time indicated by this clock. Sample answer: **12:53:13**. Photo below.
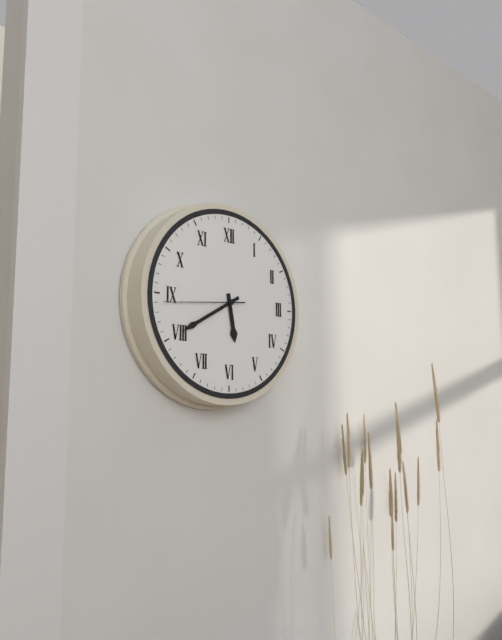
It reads **5:40:44**
